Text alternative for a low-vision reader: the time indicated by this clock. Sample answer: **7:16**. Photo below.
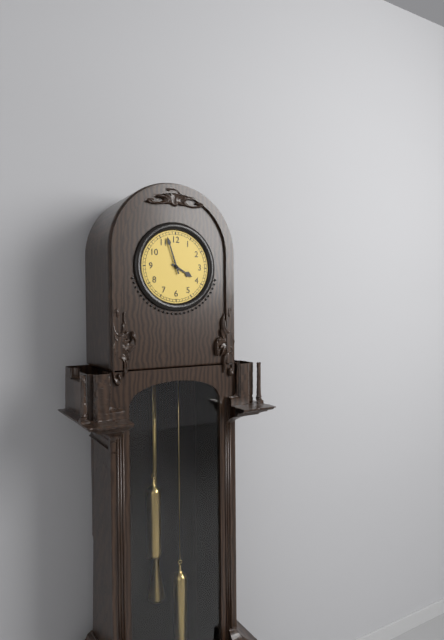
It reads **3:57**
